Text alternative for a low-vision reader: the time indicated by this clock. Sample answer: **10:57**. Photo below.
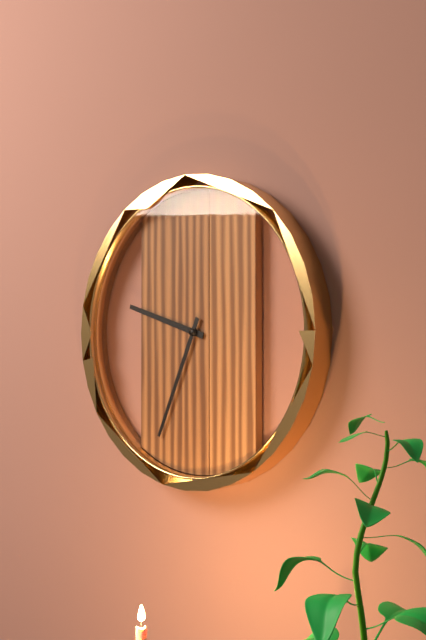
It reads **9:34**
